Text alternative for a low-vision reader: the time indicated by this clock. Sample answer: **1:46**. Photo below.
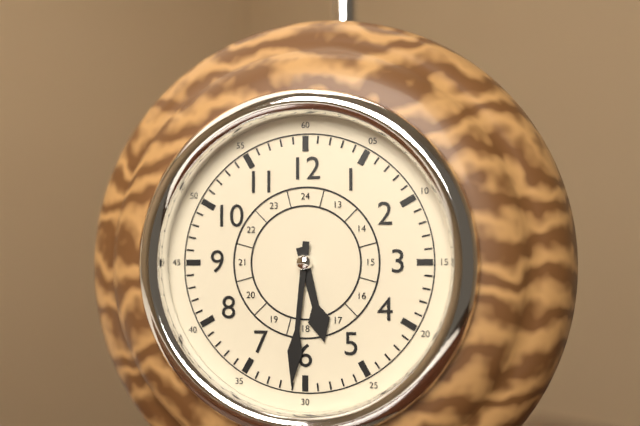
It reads **5:31**
